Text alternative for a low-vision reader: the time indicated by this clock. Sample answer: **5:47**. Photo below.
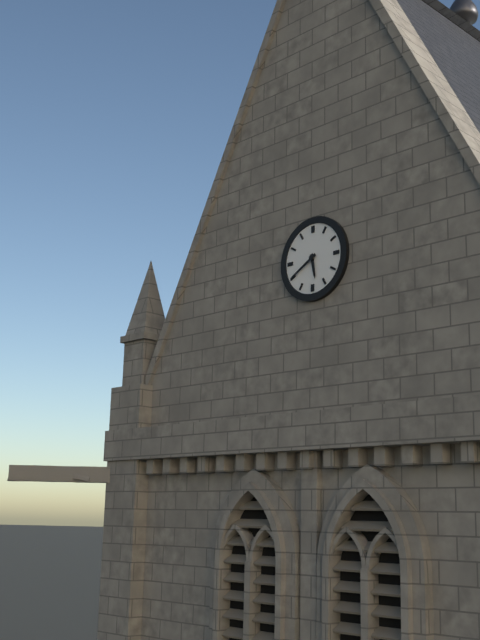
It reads **5:40**
